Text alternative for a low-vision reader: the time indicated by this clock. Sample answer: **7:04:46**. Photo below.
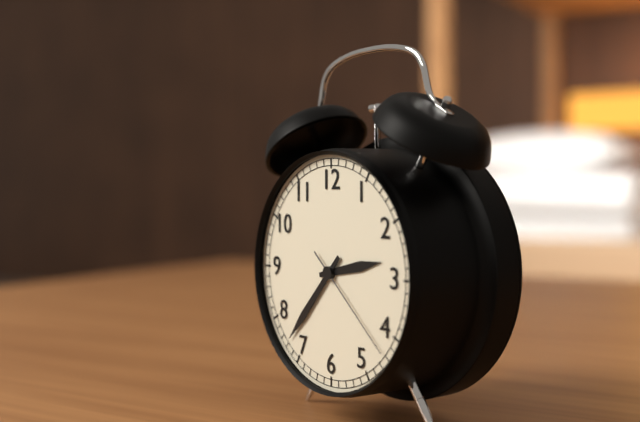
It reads **2:37:22**
